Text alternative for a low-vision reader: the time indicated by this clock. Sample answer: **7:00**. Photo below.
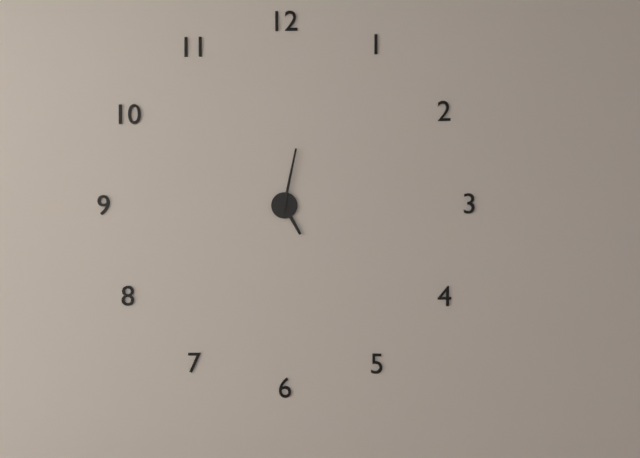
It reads **5:02**
